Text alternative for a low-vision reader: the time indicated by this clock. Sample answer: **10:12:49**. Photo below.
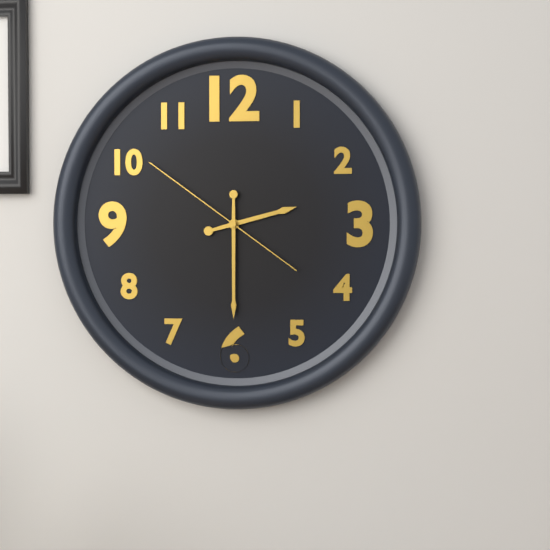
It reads **2:30:51**
